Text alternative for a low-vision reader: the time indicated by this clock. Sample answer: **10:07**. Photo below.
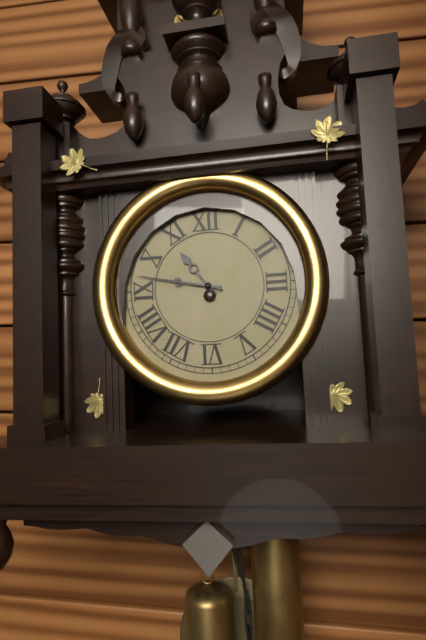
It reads **10:47**
